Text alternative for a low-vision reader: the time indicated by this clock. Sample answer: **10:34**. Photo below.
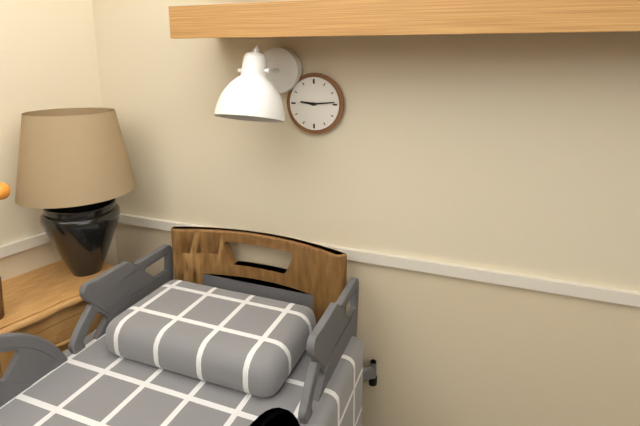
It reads **9:14**
